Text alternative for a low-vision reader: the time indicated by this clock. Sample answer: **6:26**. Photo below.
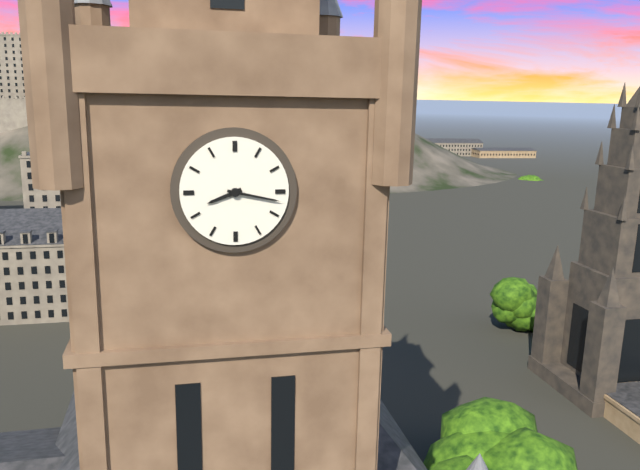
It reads **8:17**
